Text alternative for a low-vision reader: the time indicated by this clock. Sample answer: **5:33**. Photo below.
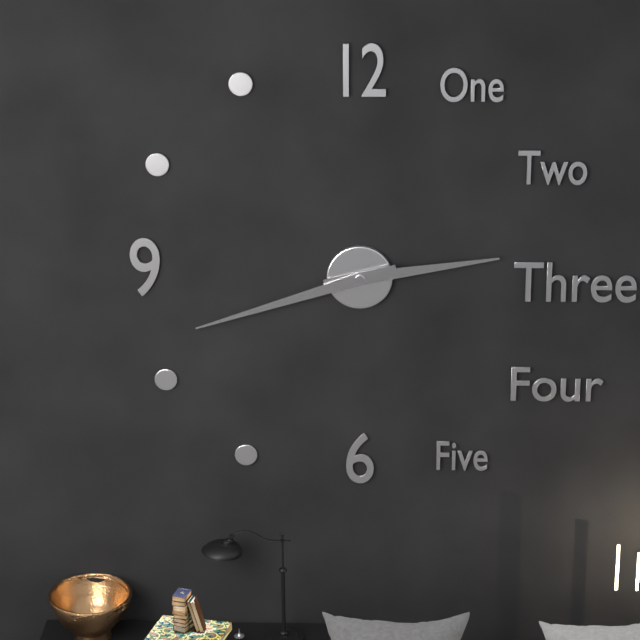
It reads **2:42**
